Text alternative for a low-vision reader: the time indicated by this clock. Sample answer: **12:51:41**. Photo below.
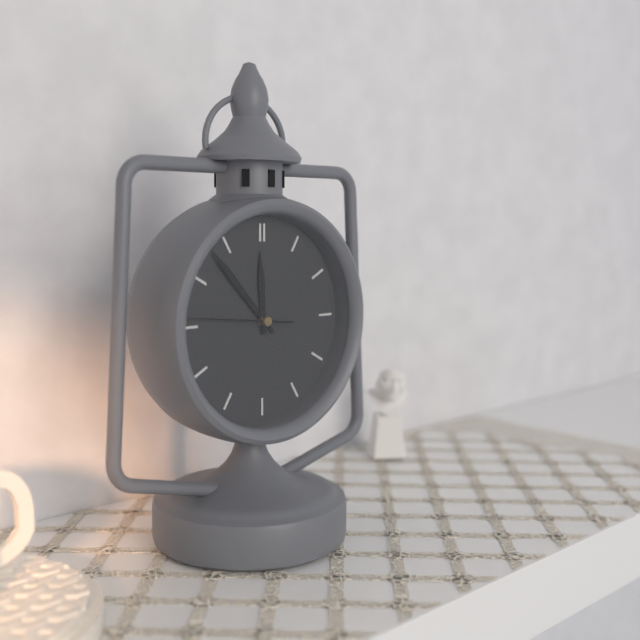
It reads **11:53:46**
